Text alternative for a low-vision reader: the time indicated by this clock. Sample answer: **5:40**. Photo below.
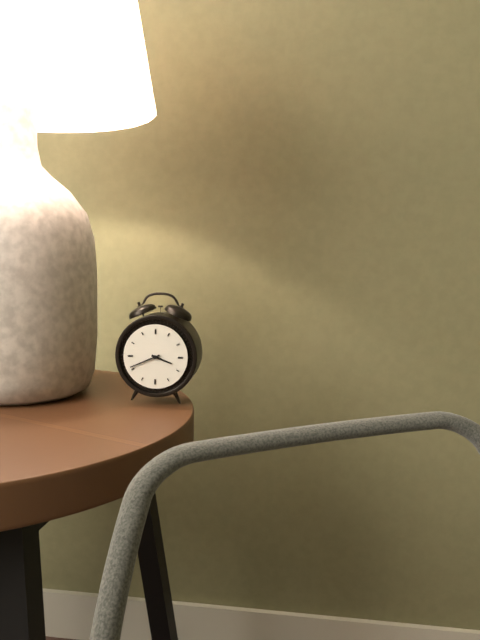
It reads **3:41**
